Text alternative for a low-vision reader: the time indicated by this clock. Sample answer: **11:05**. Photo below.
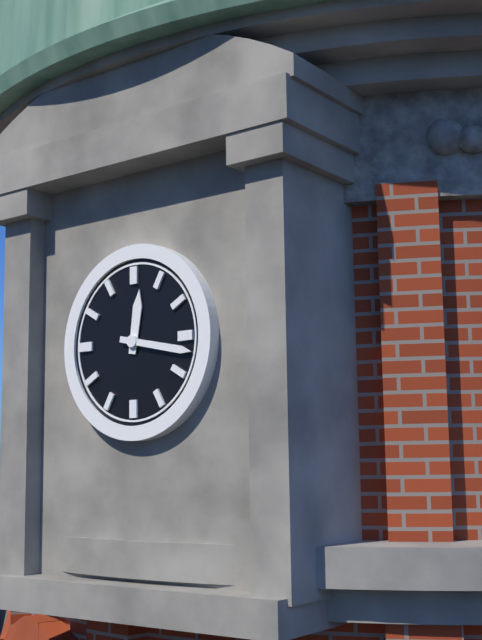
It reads **12:17**
